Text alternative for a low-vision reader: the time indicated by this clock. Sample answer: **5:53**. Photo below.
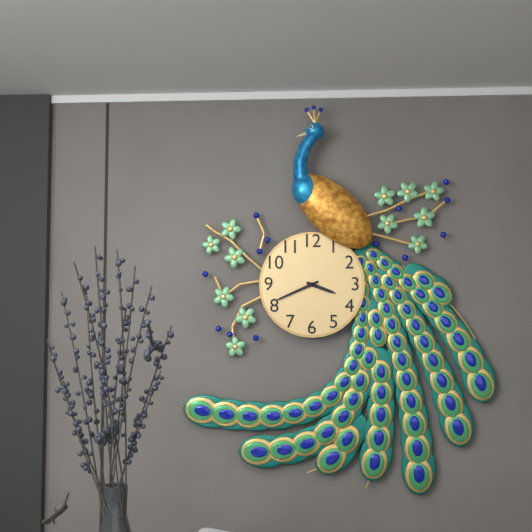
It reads **3:41**
